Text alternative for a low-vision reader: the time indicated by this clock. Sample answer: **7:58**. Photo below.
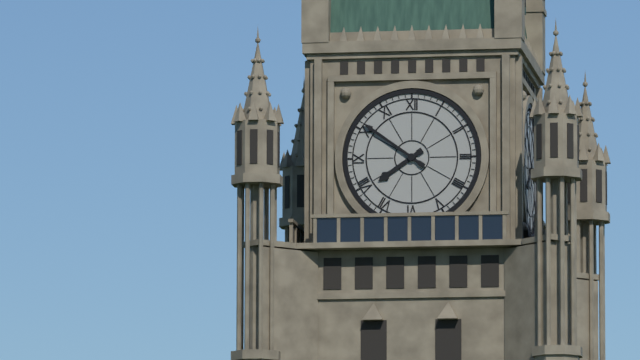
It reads **7:51**
